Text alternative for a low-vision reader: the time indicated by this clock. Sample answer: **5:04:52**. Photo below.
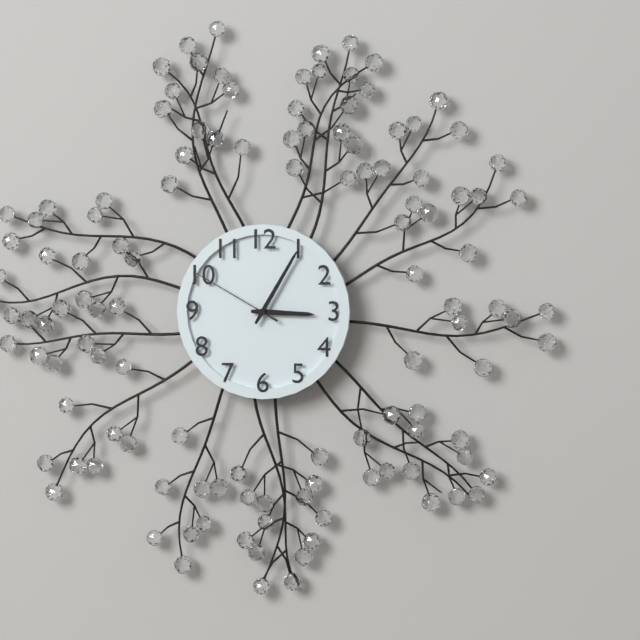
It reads **3:05:50**
